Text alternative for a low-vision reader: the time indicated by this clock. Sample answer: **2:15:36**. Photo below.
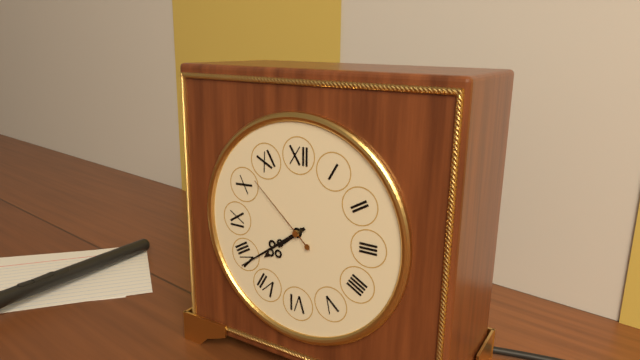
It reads **7:39:52**
